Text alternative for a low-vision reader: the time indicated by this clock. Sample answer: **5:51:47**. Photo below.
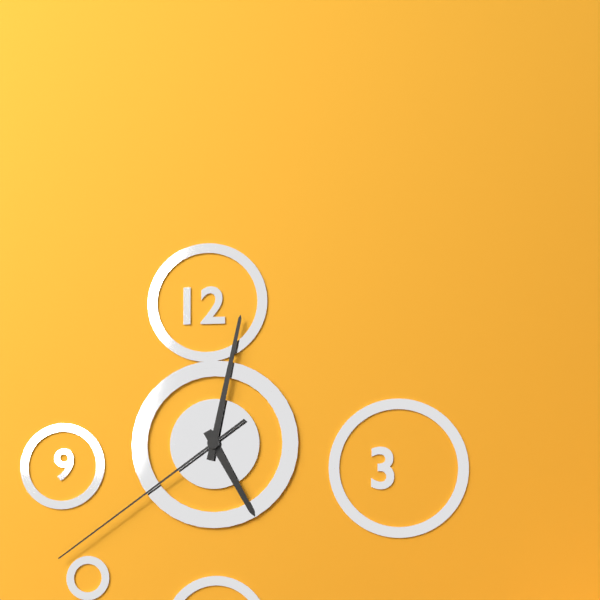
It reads **5:02:39**
